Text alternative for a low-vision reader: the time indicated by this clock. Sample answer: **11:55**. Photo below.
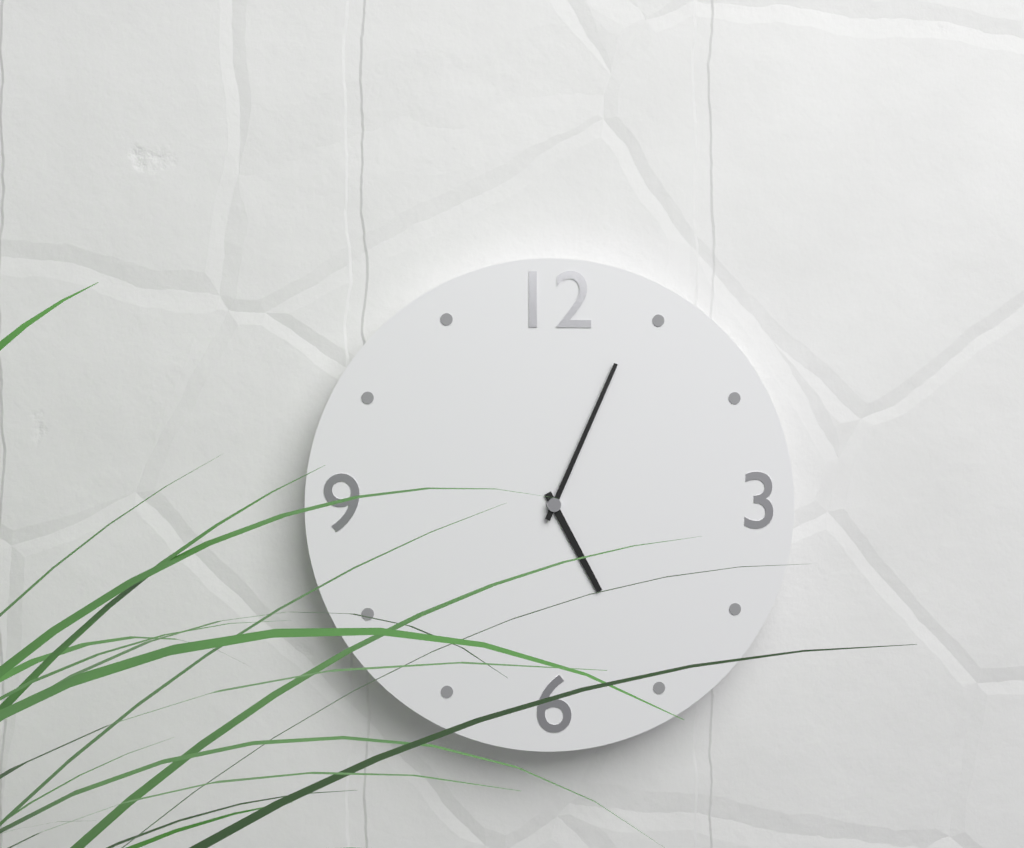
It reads **5:04**
